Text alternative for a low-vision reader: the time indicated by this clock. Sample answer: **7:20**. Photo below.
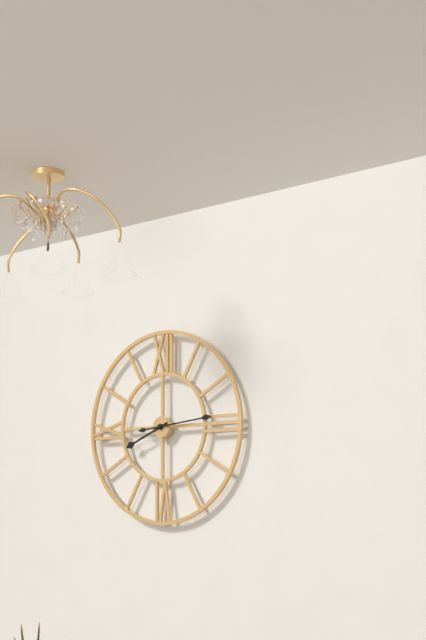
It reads **8:14**
